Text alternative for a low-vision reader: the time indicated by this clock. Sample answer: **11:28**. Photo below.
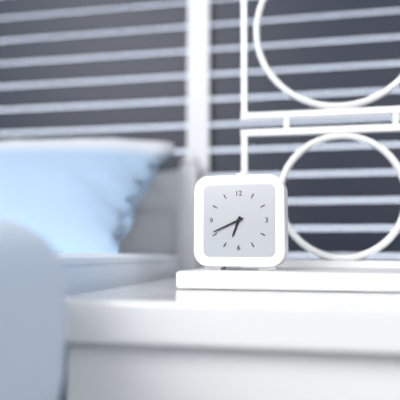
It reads **6:41**
